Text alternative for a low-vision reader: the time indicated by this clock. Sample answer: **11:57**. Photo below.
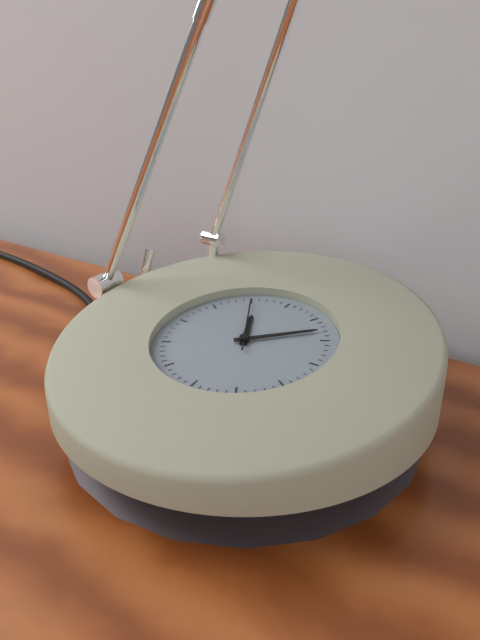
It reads **11:08**
